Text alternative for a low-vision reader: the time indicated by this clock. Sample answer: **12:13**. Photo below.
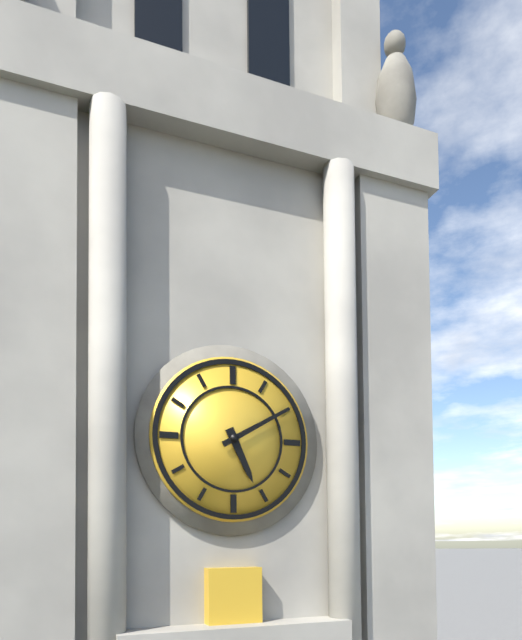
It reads **5:10**
